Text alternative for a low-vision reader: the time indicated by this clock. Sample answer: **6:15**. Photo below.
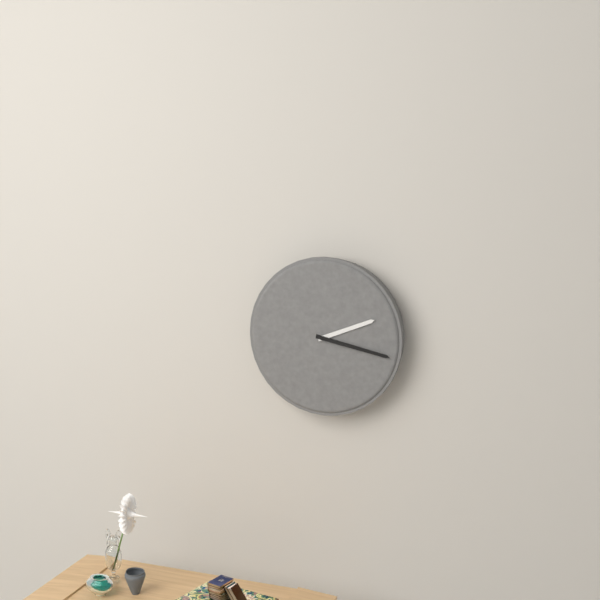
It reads **2:17**
